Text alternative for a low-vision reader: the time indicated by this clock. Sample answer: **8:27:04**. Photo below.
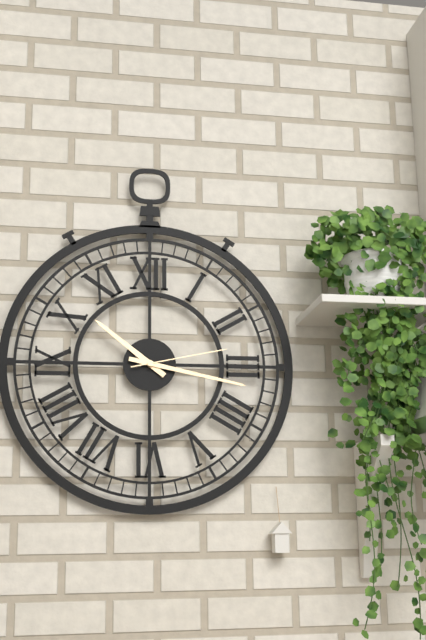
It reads **10:17:13**
